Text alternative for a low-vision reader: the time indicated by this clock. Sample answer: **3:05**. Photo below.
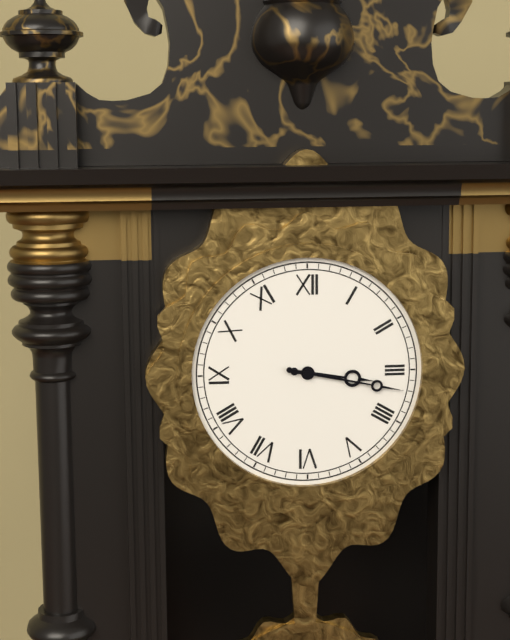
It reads **3:17**
